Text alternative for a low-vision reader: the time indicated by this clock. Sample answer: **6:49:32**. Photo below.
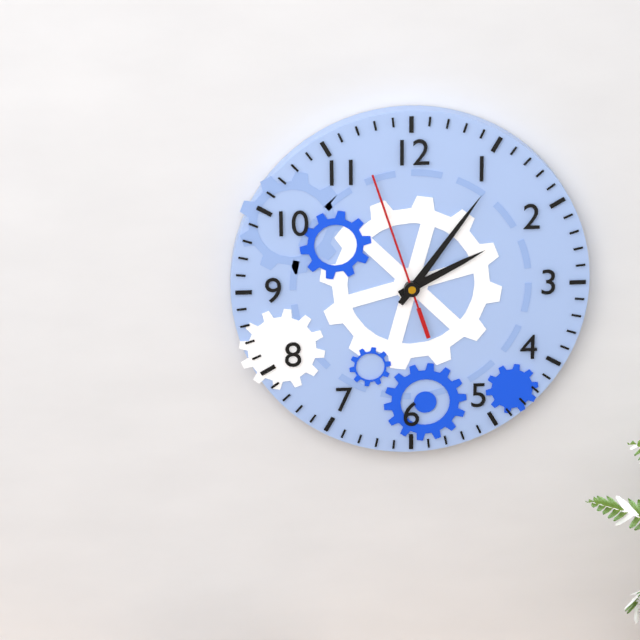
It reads **2:06:57**
